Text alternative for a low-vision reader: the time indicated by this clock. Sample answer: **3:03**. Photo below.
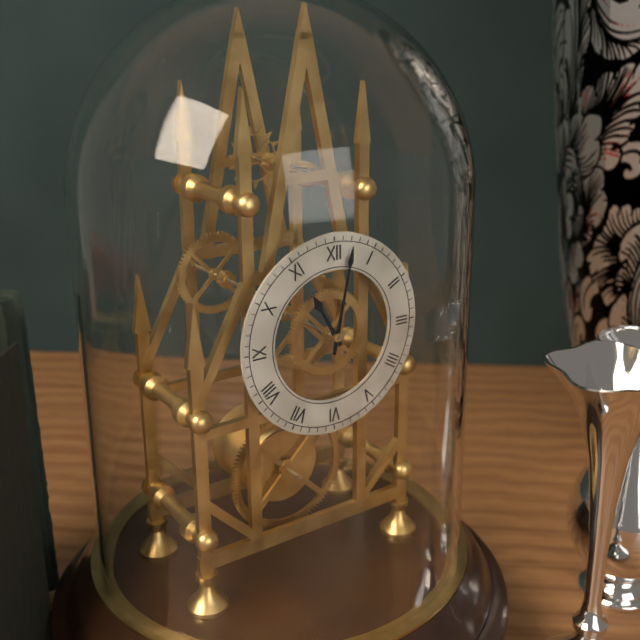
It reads **11:02**
